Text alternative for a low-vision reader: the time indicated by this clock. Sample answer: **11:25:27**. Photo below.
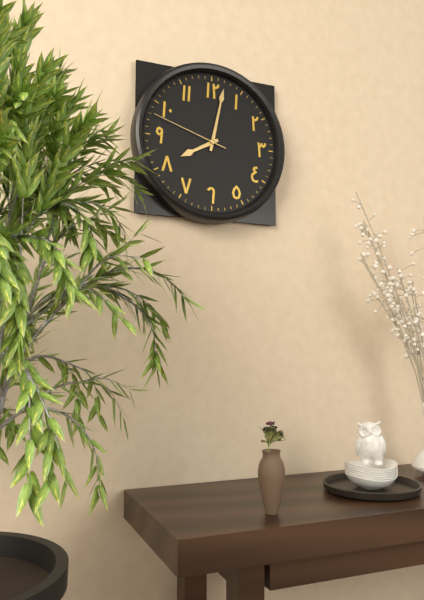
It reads **8:02:48**
